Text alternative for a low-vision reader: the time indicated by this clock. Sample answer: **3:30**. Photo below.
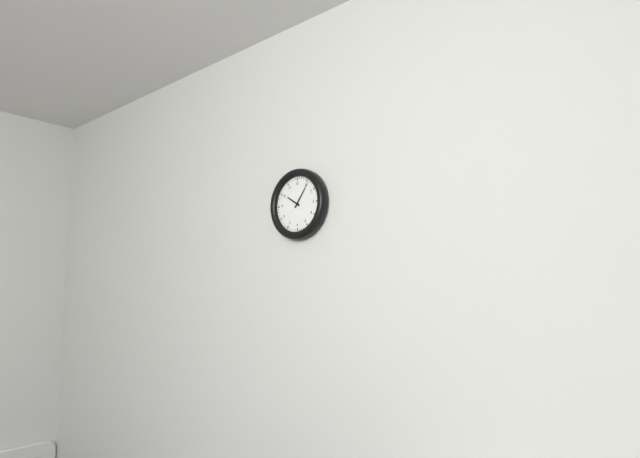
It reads **10:06**
